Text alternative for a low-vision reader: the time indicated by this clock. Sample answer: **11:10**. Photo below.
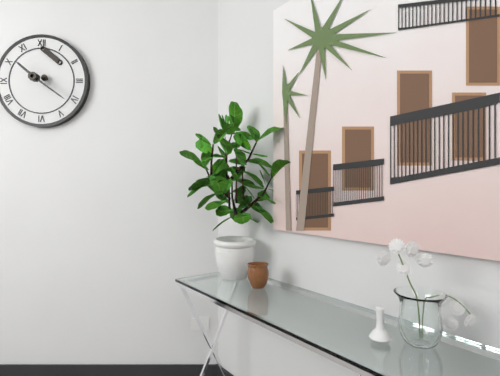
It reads **10:21**
